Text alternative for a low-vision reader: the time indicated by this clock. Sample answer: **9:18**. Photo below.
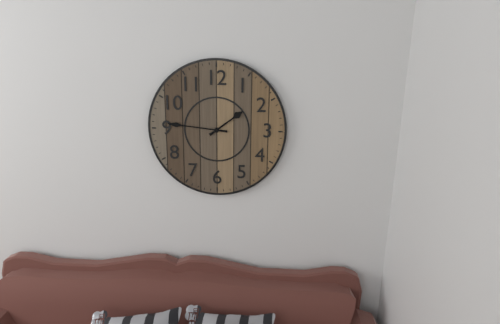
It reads **1:46**
